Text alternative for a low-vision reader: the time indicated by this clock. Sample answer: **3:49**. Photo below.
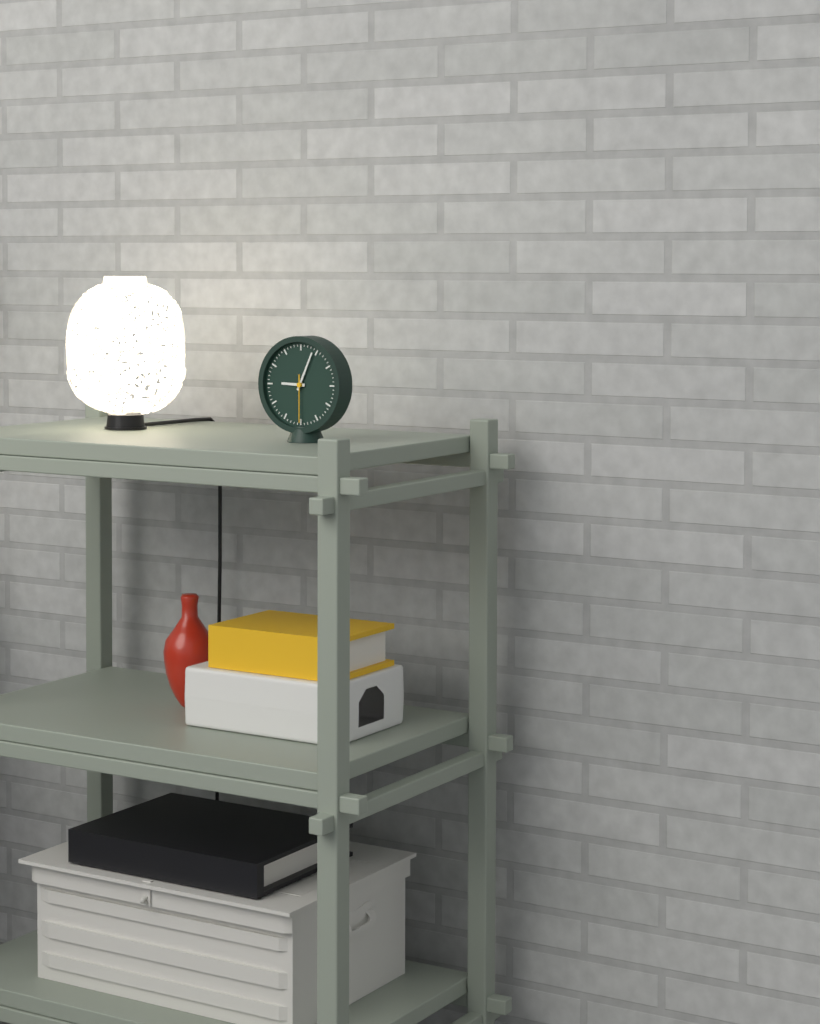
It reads **9:04**
